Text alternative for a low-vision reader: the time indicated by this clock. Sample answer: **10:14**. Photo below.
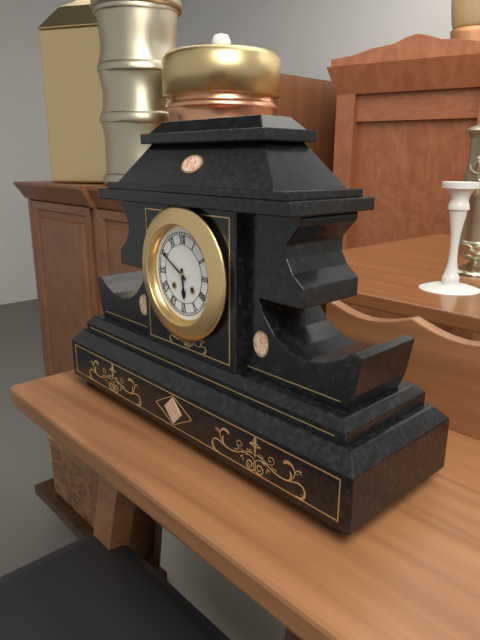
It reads **5:50**
